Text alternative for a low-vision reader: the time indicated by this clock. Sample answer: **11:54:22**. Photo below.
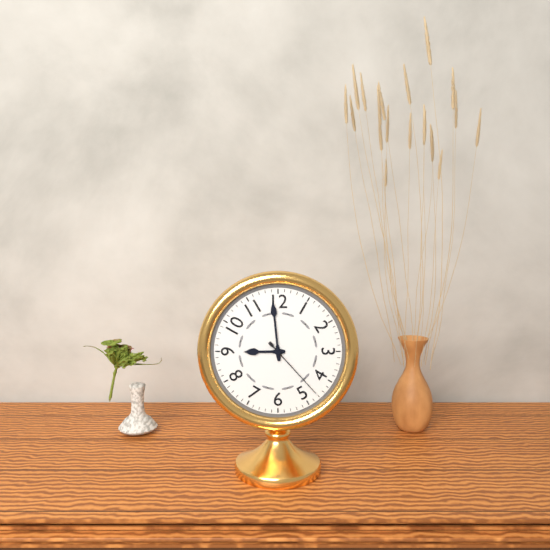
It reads **8:59:23**
